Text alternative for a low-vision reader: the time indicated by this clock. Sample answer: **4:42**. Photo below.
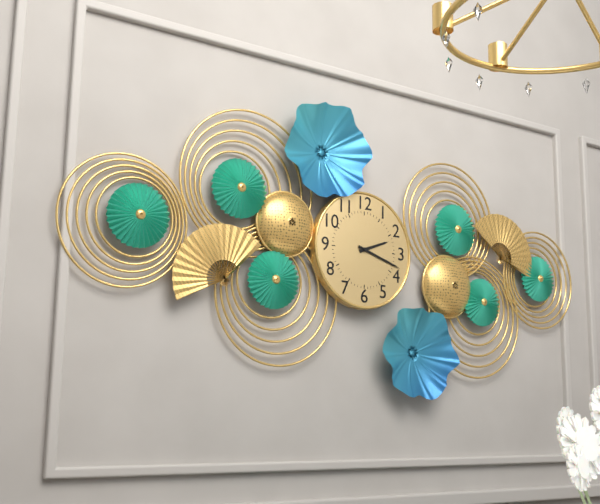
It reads **2:18**
